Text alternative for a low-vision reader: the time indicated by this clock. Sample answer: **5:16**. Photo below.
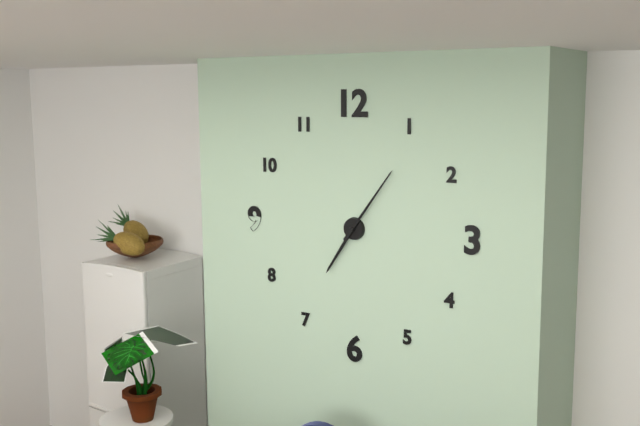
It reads **7:06**
